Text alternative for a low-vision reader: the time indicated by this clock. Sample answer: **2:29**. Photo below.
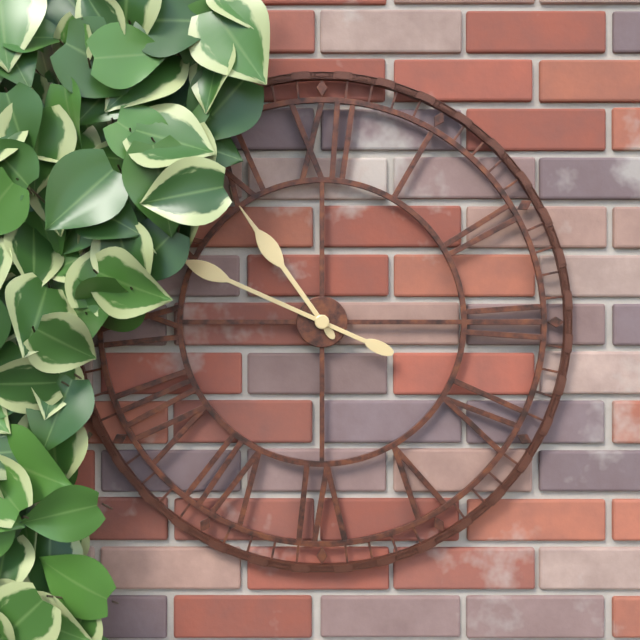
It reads **10:49**
